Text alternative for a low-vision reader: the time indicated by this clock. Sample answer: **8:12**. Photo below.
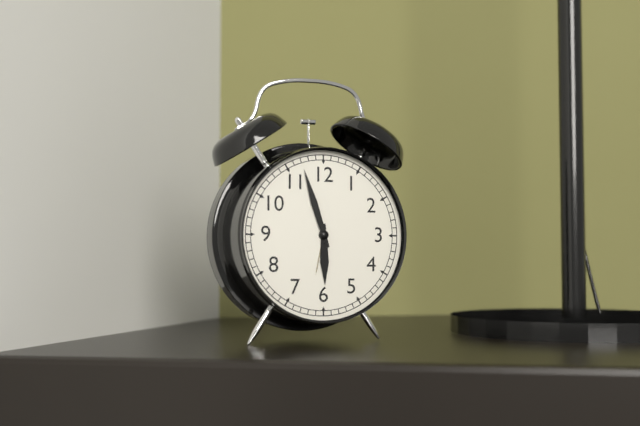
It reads **5:57**
